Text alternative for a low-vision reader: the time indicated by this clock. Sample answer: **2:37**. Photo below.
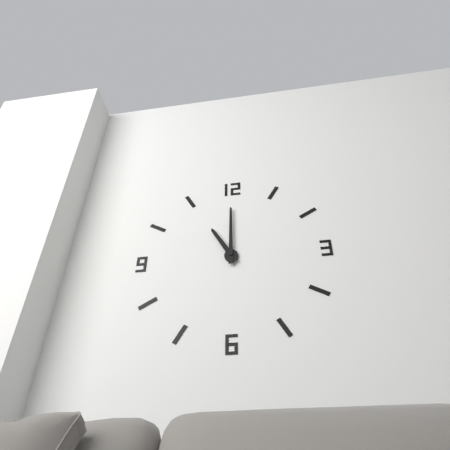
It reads **11:00**
